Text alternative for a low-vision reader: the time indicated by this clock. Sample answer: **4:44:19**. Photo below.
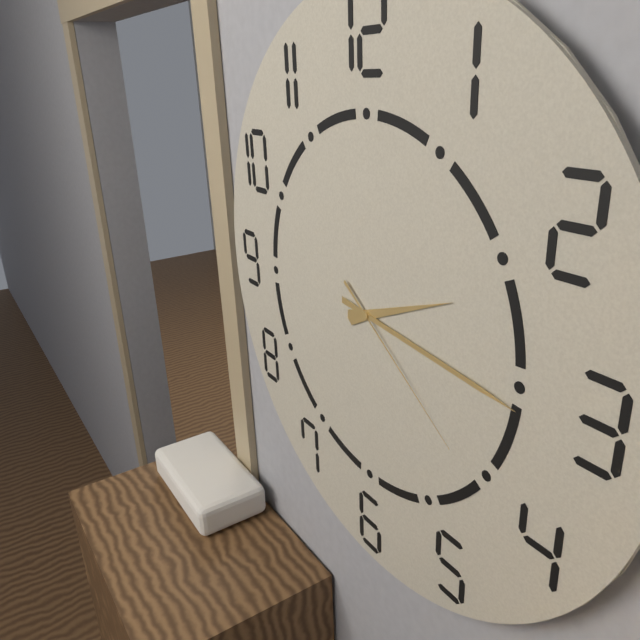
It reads **2:16:21**
